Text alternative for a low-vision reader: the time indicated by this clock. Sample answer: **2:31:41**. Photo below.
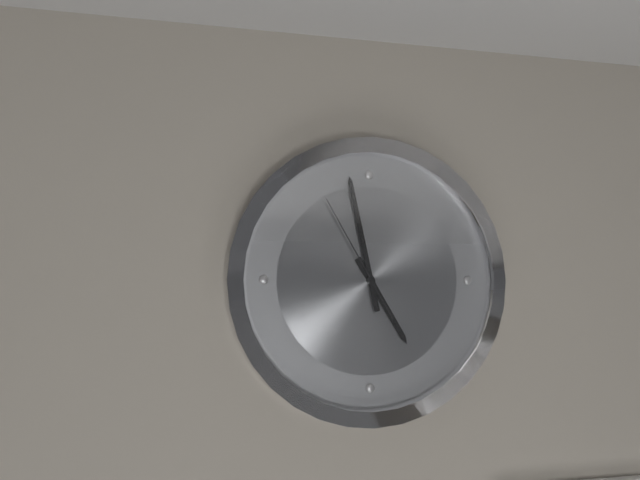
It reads **4:58:55**
